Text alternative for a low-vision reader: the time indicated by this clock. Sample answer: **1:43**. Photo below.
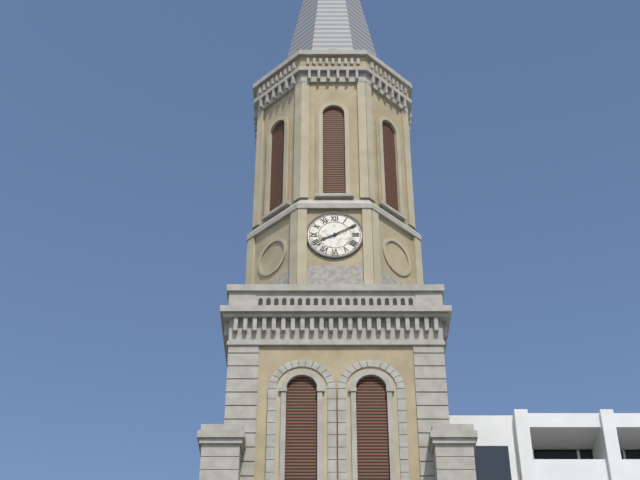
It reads **8:10**
